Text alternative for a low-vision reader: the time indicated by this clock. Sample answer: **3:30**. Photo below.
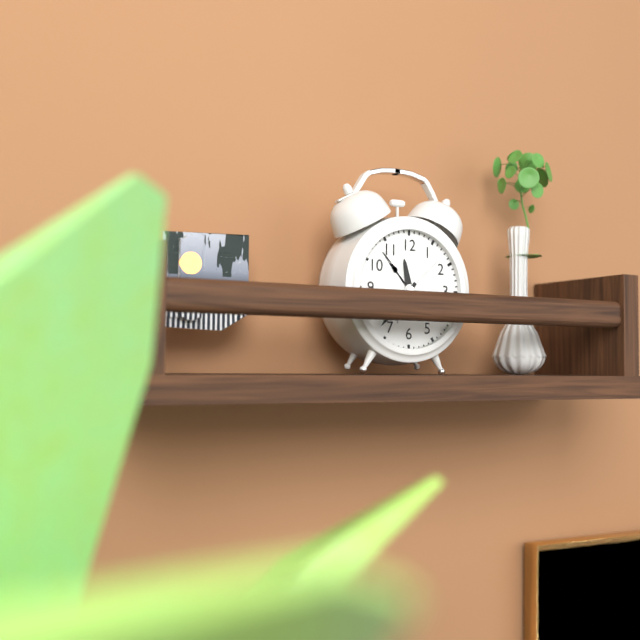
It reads **11:37**
